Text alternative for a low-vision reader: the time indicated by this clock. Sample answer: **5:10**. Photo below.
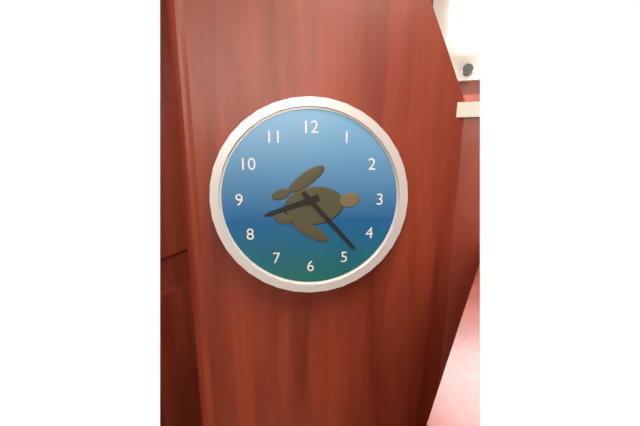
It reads **8:23**
